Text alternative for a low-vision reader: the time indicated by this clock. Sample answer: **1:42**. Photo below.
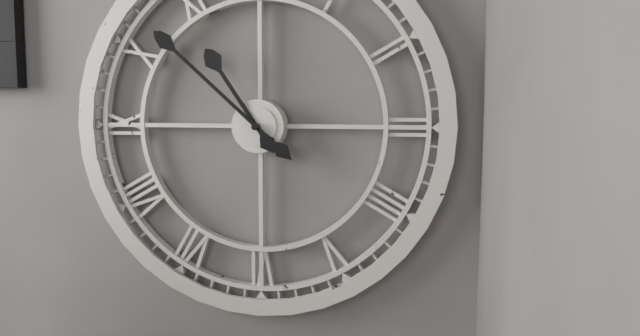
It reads **10:52**
